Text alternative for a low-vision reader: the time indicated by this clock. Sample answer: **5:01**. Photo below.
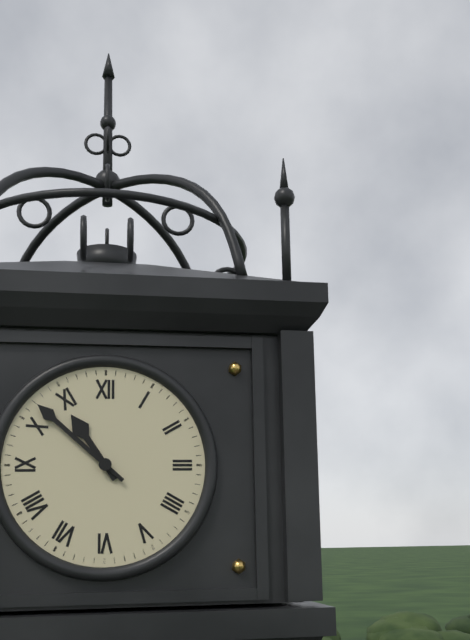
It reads **10:52**
